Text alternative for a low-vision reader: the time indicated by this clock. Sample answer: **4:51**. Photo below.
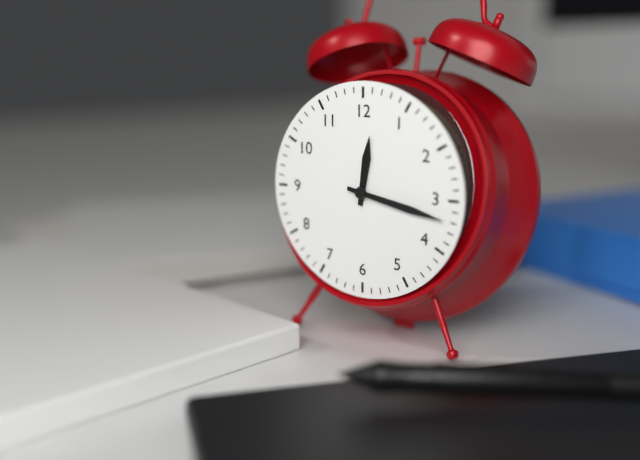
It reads **12:17**
